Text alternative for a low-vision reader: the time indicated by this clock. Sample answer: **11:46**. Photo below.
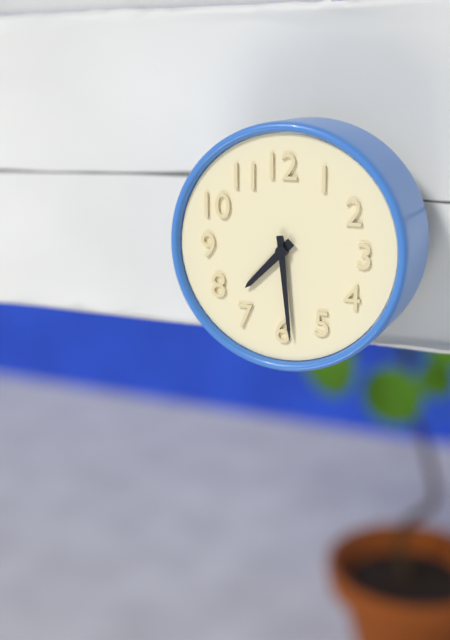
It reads **7:29**
